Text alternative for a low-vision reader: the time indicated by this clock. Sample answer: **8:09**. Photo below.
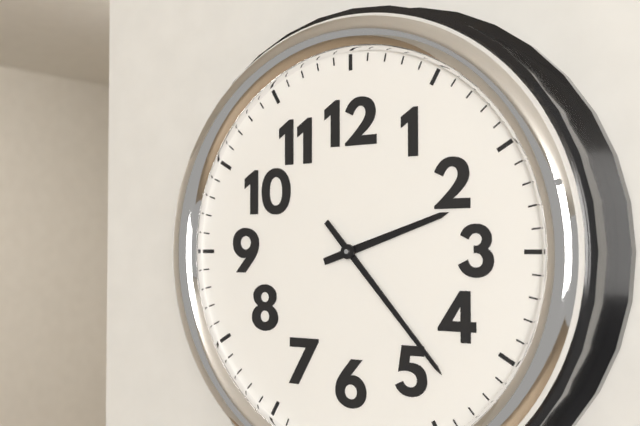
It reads **2:23**
